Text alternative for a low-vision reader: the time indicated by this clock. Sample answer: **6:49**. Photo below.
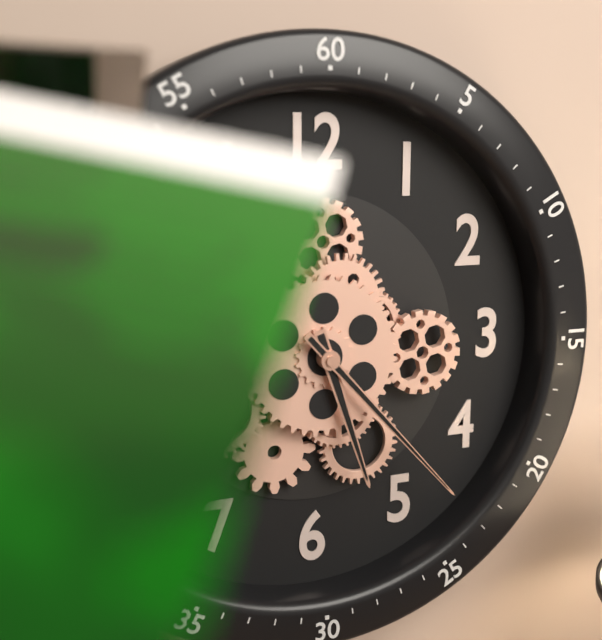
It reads **5:23**
